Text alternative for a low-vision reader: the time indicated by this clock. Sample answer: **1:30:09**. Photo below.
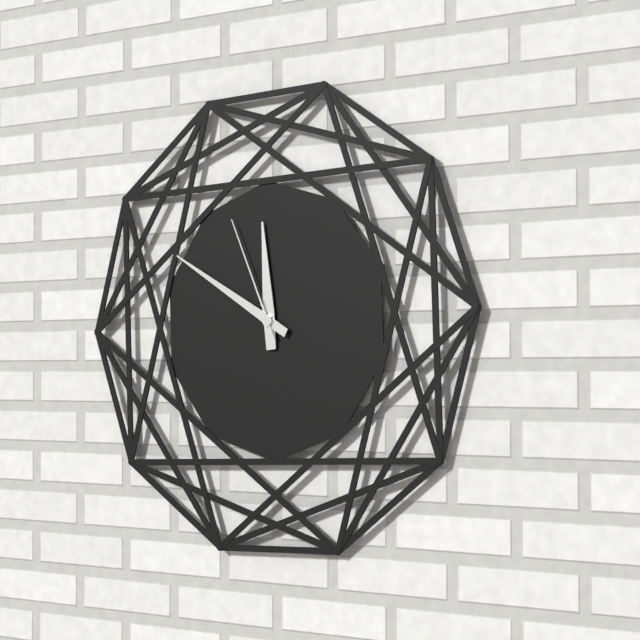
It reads **11:50:56**
